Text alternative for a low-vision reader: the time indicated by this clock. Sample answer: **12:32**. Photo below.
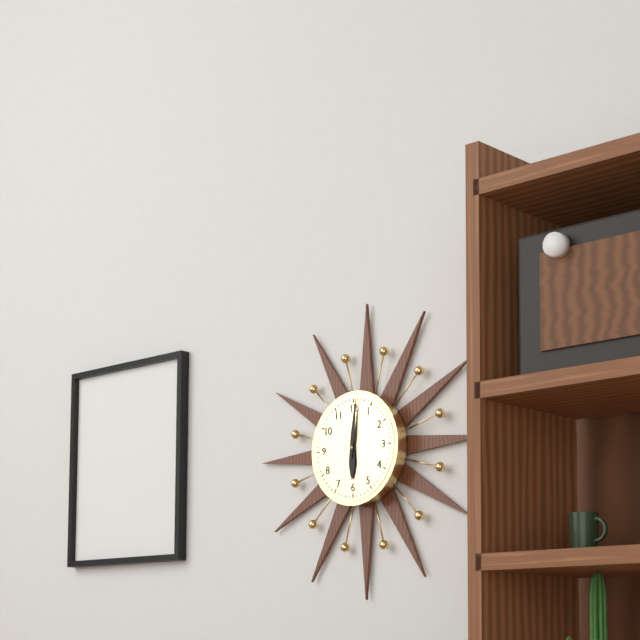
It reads **6:01**
